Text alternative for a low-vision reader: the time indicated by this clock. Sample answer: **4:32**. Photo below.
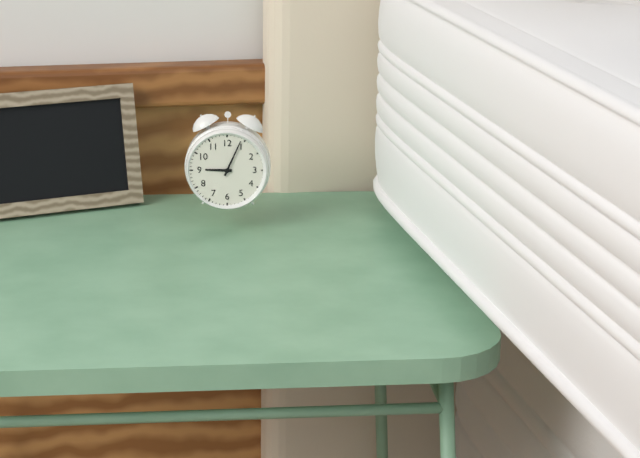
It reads **9:04**
